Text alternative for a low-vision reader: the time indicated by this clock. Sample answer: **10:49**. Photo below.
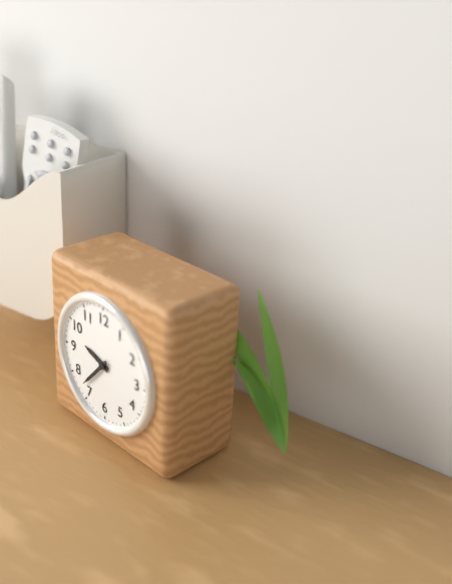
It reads **9:37**
